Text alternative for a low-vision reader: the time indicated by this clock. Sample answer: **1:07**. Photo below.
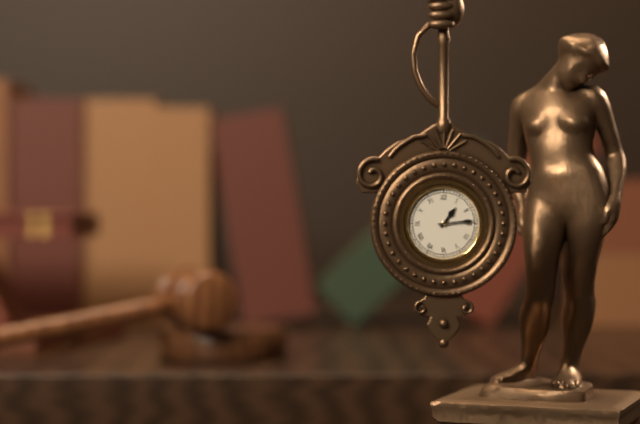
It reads **1:14**
